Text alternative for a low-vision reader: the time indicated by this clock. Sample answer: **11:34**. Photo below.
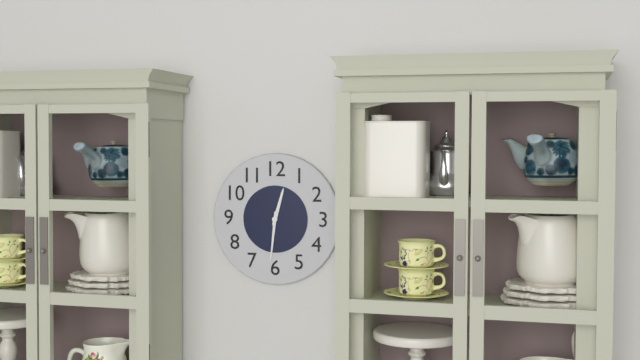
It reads **12:31**
